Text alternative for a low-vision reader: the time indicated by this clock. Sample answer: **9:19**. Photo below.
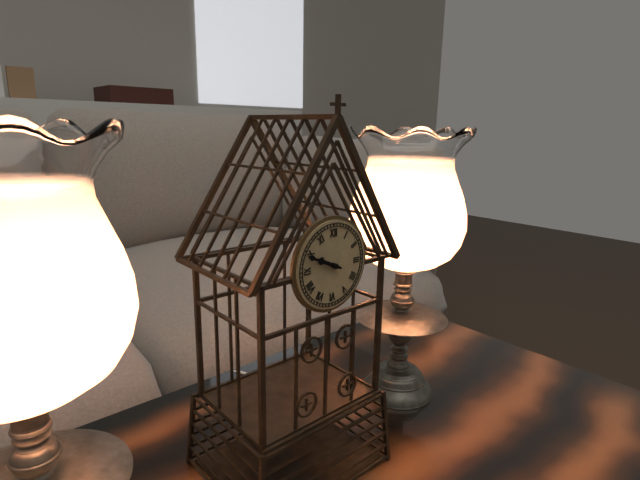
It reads **9:49**
